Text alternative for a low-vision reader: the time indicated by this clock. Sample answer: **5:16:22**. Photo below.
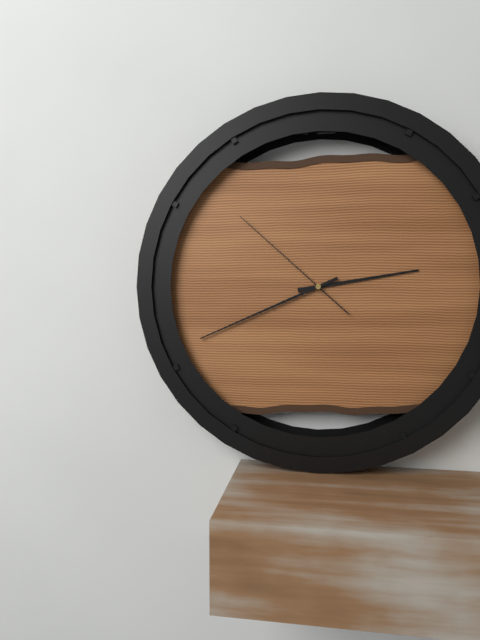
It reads **2:41:52**
